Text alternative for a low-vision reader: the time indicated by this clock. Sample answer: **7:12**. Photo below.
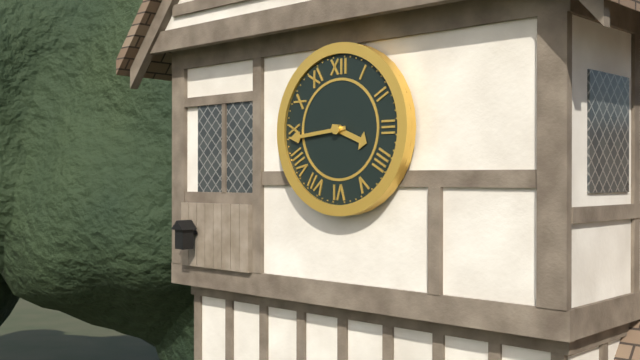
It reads **3:44**
